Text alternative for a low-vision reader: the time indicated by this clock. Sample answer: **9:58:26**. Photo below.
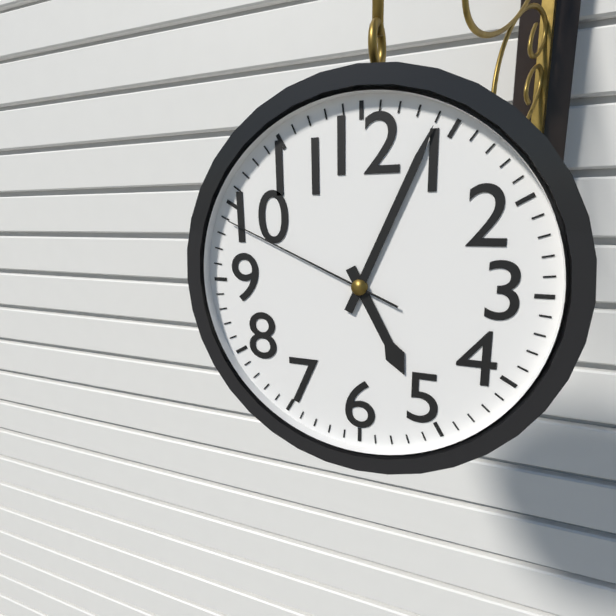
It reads **5:04:49**
